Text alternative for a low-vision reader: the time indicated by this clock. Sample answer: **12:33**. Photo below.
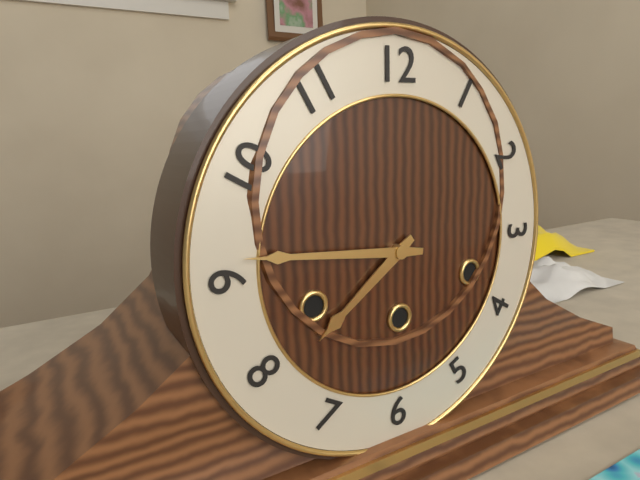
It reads **7:46**
